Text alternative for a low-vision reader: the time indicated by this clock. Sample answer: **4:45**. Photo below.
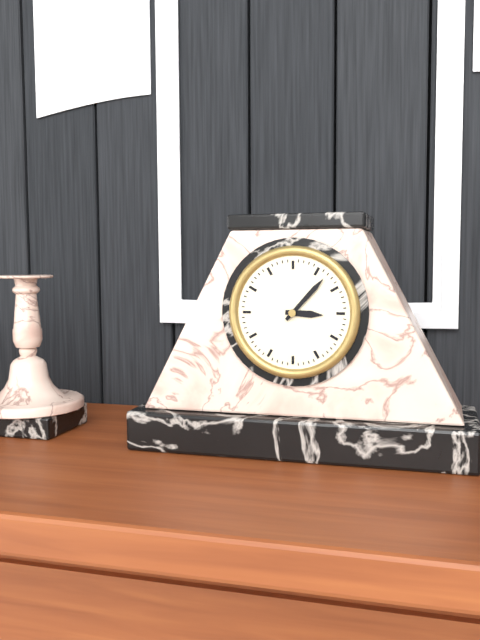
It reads **3:07**
